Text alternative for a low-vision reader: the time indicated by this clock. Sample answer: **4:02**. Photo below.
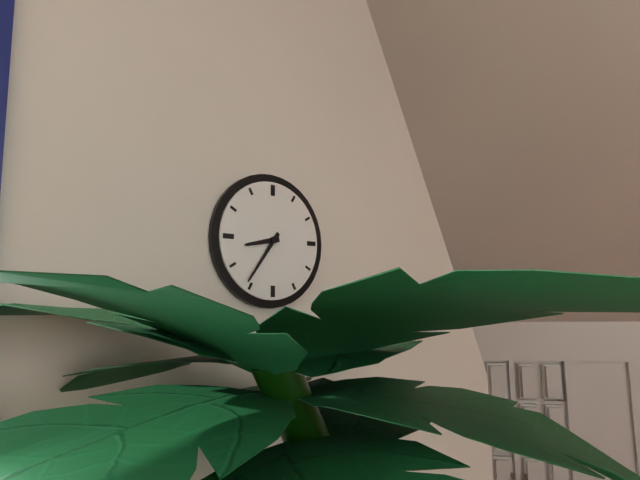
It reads **8:36**
